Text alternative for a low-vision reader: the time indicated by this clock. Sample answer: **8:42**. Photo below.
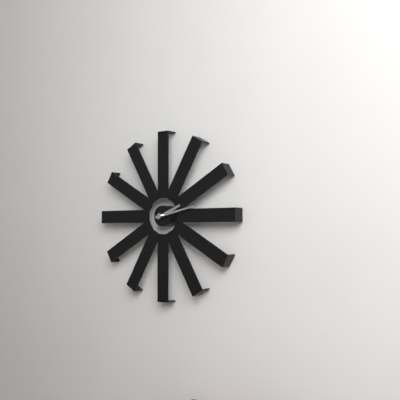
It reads **2:13**
